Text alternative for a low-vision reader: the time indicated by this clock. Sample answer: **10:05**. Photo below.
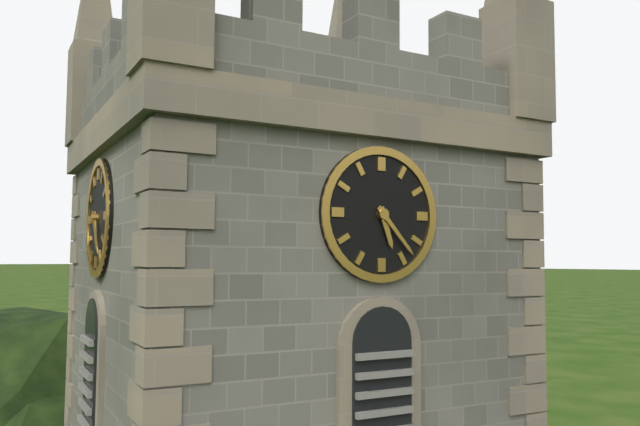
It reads **5:23**
